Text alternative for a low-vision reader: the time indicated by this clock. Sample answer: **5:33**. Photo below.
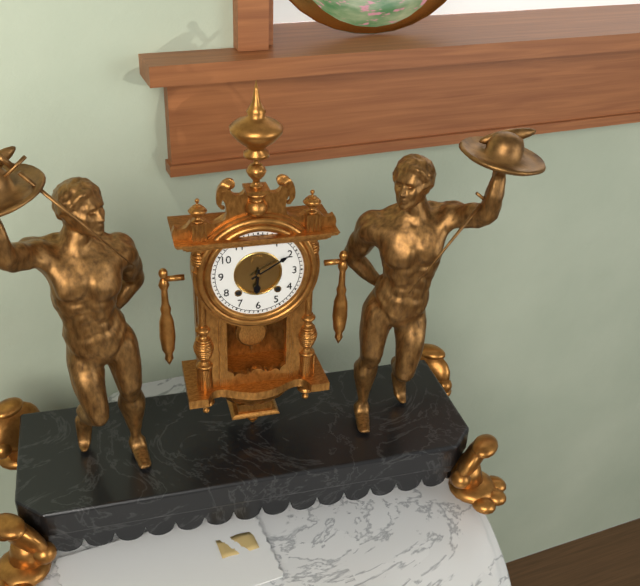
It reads **6:10**
